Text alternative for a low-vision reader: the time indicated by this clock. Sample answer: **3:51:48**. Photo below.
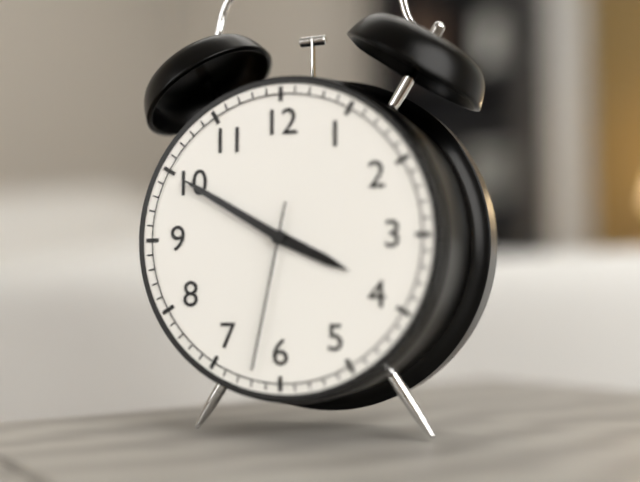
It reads **3:50:32**
